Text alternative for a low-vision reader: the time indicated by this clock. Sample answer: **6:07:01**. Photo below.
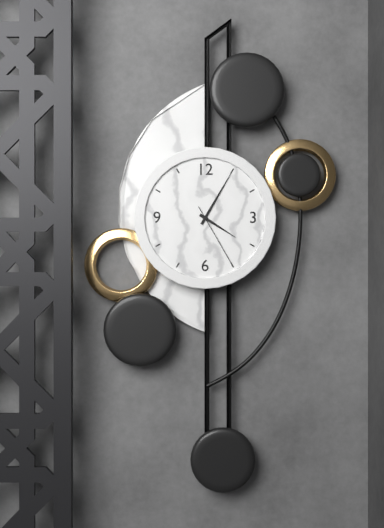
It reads **4:05:25**
